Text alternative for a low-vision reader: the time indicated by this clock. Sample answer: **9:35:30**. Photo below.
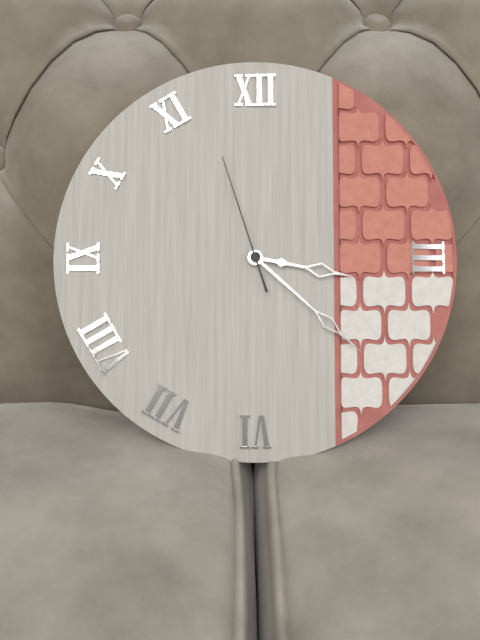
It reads **3:22:57**
